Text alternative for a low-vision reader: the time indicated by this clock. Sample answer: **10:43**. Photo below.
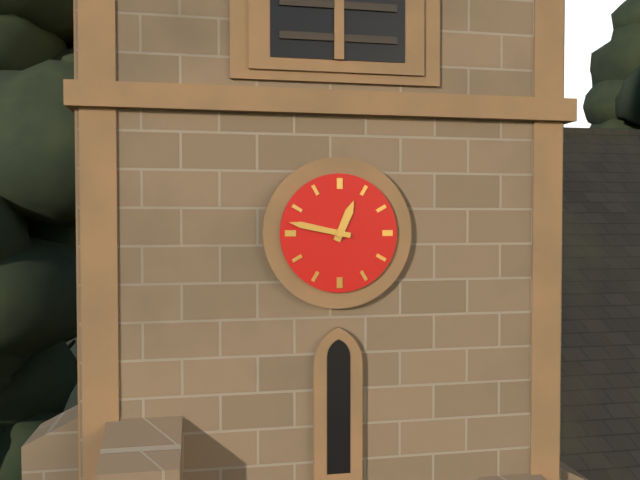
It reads **12:47**
